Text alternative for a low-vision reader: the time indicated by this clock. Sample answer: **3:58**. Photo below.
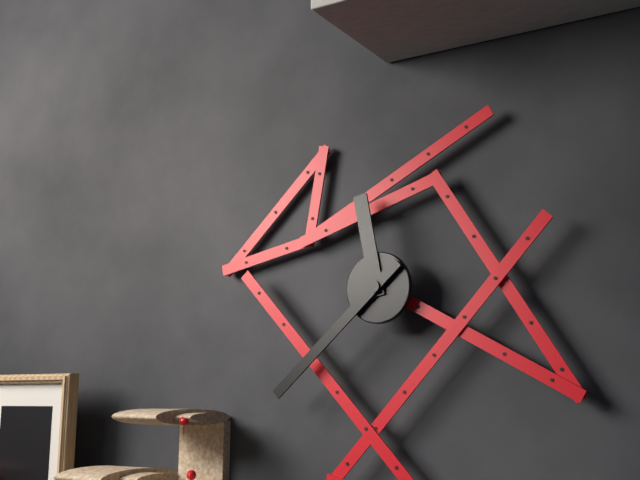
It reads **11:38**
